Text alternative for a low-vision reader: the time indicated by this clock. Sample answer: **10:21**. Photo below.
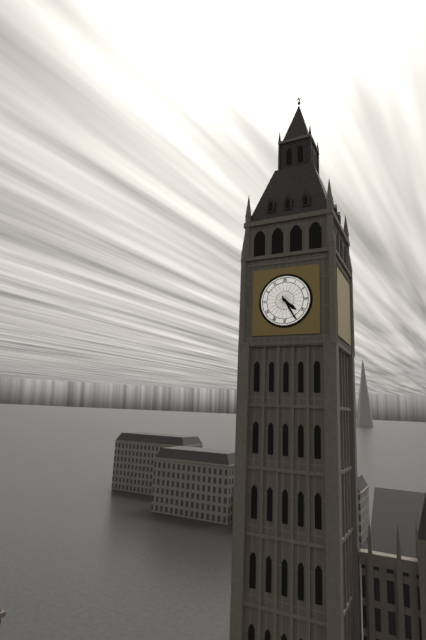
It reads **4:25**
